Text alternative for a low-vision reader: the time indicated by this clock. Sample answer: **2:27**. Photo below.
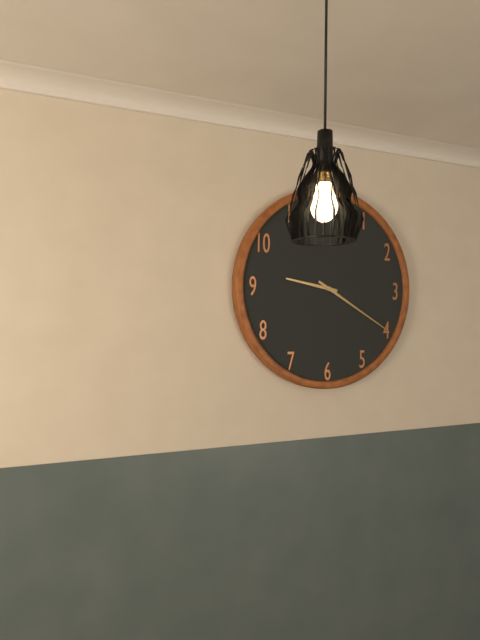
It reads **9:20**
